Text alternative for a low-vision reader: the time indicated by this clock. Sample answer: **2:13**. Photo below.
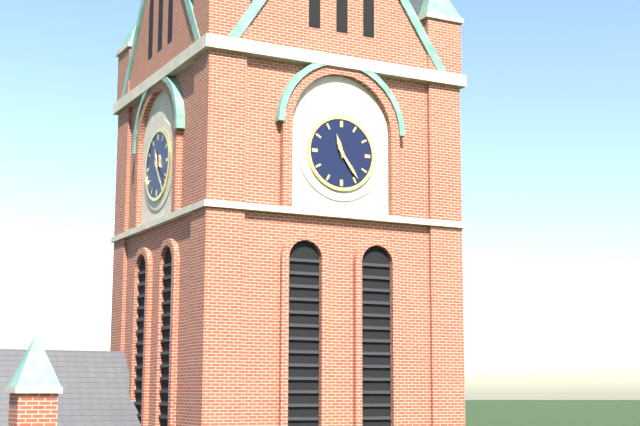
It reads **11:24**
